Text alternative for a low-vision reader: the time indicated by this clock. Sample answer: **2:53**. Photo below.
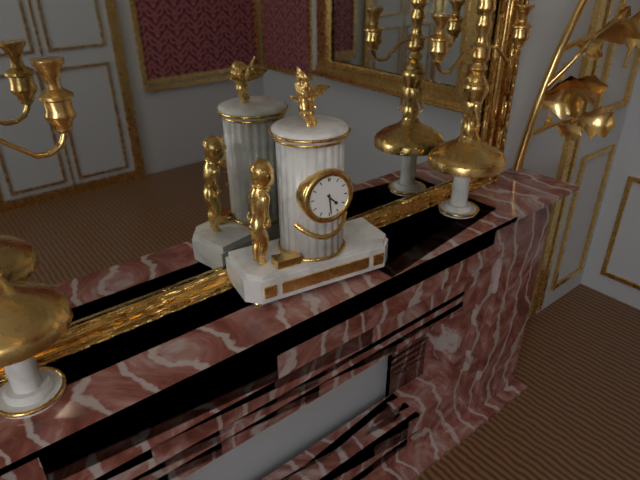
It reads **4:29**
